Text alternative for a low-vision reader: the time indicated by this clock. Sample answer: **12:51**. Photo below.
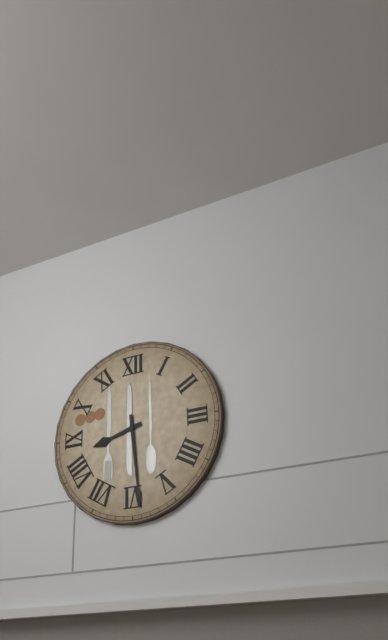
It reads **8:29**
